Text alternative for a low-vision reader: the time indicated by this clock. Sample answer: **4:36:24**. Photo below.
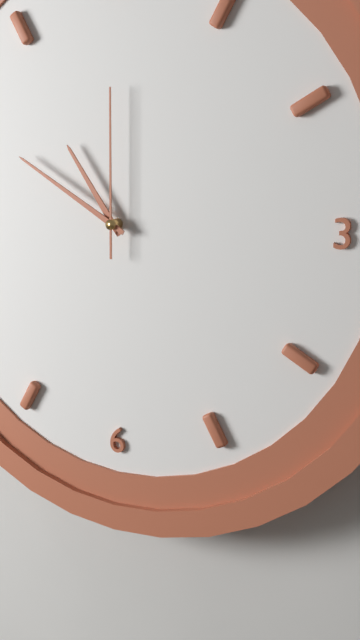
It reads **10:50:00**
